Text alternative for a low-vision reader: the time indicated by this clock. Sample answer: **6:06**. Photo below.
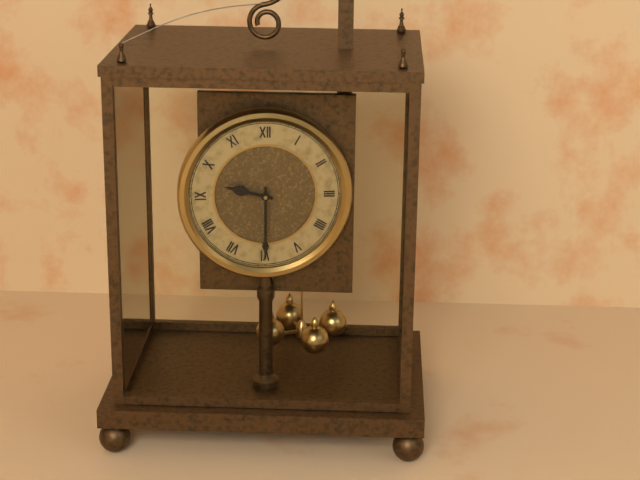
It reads **9:30**
